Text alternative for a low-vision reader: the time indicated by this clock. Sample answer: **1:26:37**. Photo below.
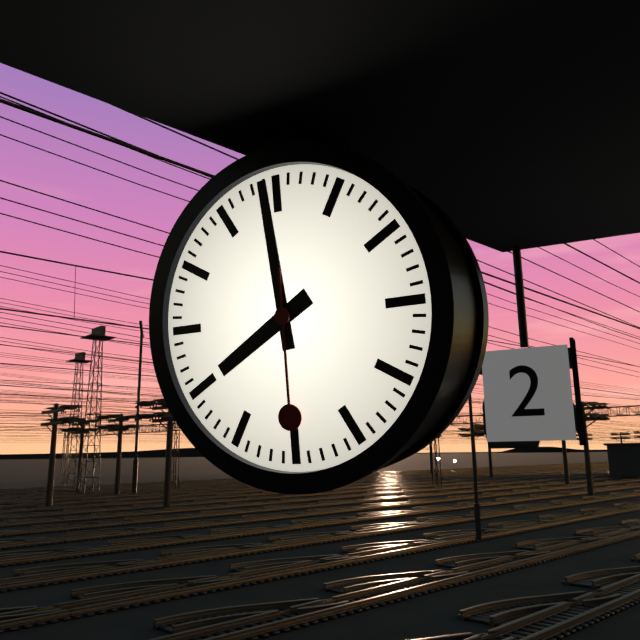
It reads **7:59:30**
